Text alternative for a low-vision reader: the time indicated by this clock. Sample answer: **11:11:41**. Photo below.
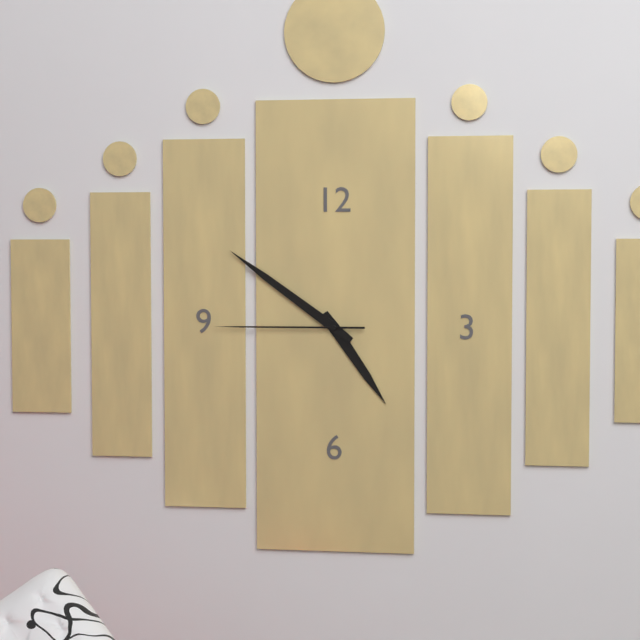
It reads **4:51:45**
